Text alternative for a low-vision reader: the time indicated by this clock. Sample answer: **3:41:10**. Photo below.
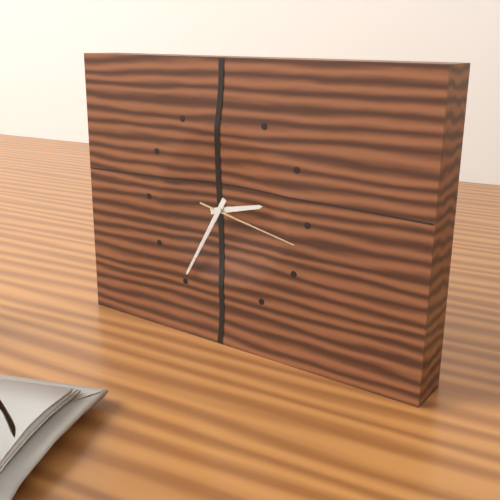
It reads **2:35:17**
